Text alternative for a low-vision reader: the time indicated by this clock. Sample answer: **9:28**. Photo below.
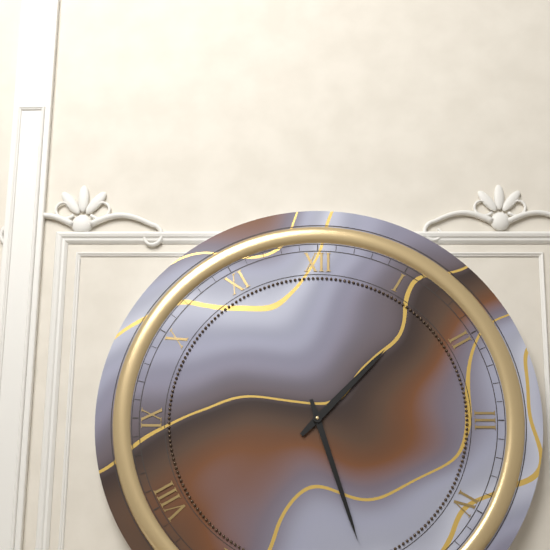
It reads **1:27**
